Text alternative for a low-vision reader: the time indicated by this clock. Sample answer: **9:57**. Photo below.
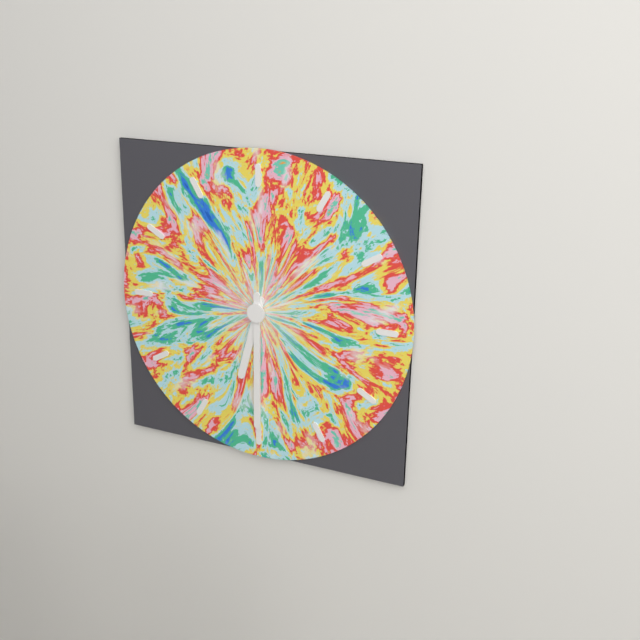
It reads **6:30**
